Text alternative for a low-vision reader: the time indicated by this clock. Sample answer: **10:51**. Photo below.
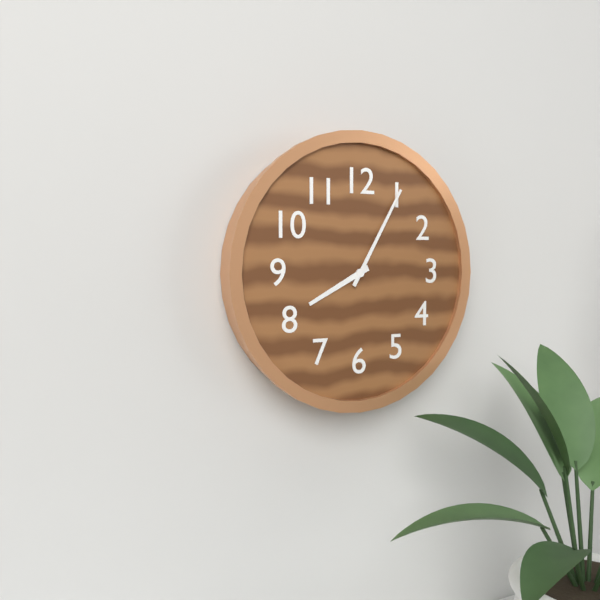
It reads **8:05**
